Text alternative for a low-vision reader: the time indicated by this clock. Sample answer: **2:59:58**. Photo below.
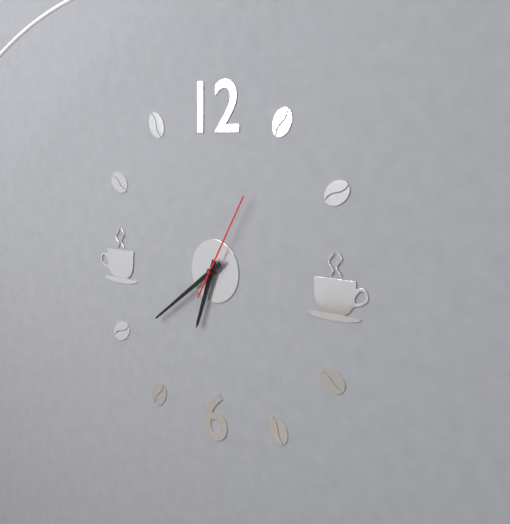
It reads **6:39:05**
